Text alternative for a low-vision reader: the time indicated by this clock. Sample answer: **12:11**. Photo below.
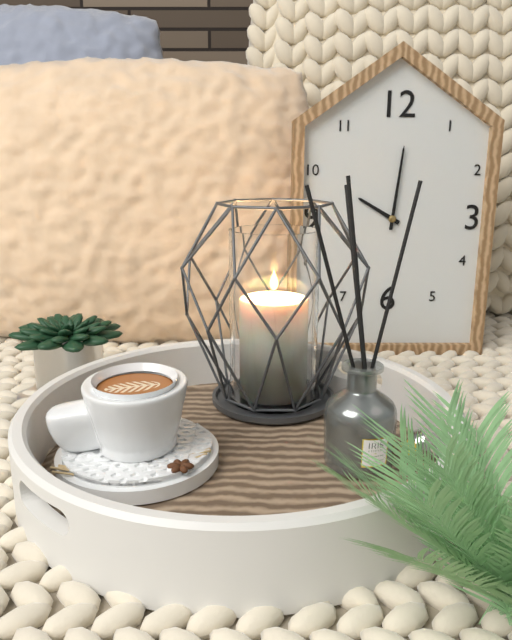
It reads **10:01**
